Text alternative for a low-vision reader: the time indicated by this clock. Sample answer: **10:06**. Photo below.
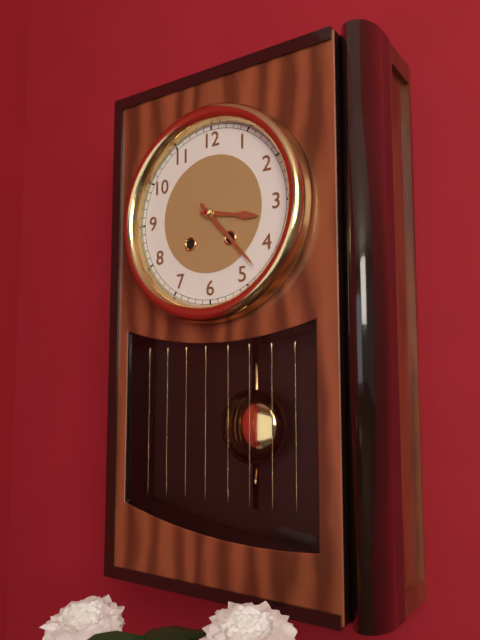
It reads **3:23**
